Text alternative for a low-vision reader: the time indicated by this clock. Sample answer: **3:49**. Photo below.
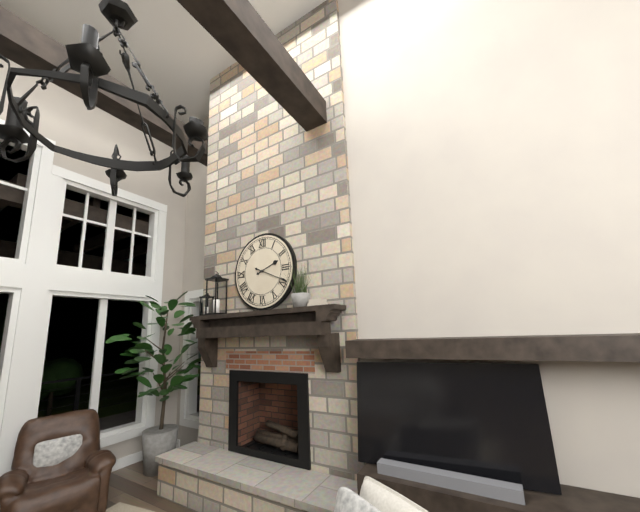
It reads **2:19**
